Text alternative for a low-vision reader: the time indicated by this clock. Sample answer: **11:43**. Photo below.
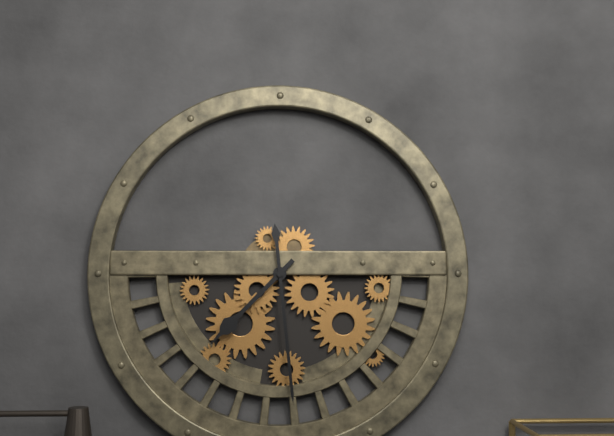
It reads **7:29**
